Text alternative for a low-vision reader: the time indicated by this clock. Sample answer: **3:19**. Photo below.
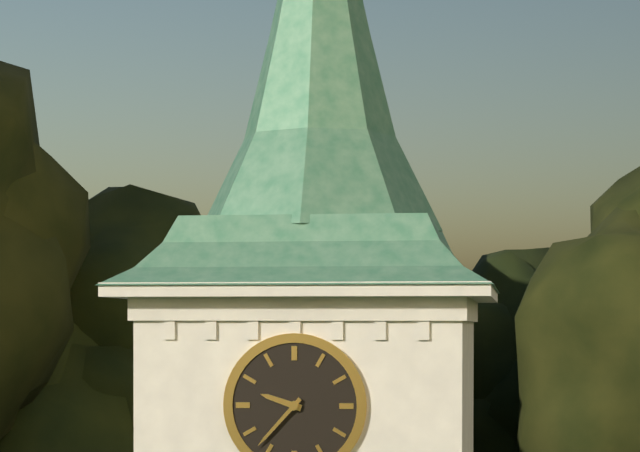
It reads **9:37**
